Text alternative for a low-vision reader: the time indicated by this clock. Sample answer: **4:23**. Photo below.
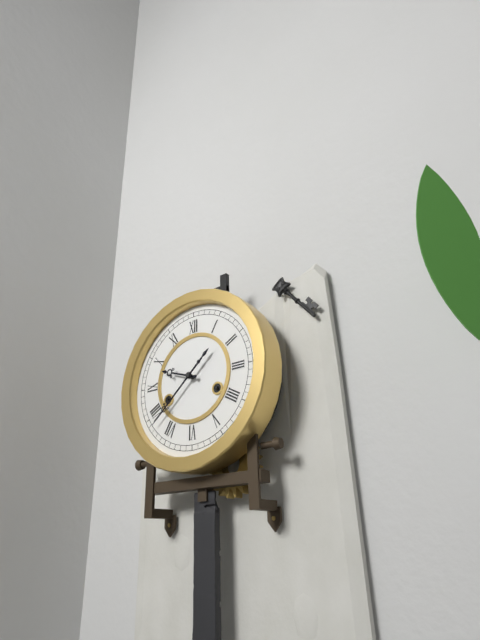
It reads **9:38**
